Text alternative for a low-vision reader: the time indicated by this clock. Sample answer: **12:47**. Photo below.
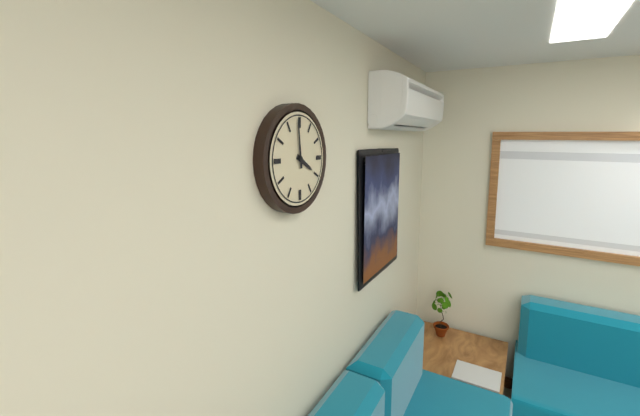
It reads **3:59**
